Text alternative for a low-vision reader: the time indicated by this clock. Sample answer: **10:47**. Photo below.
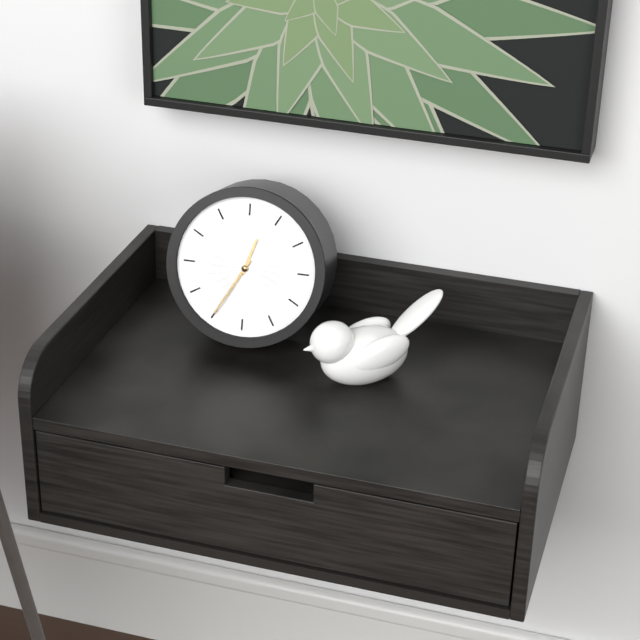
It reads **12:35**
